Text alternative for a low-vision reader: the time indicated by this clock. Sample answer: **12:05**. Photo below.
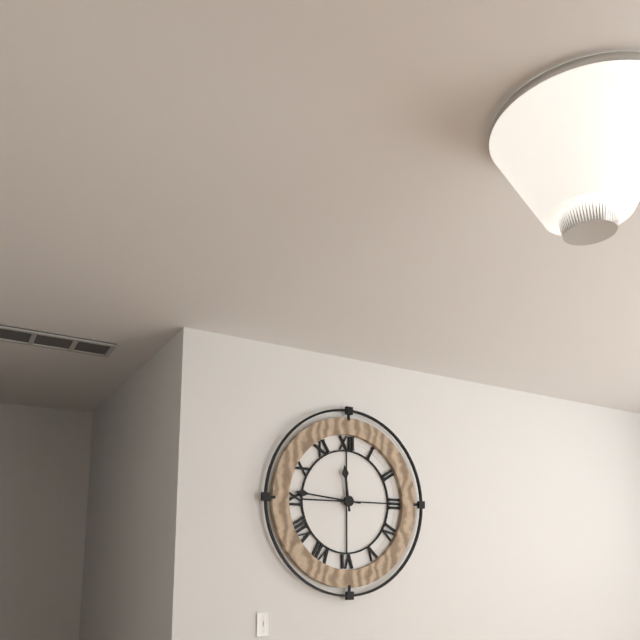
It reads **11:46**
